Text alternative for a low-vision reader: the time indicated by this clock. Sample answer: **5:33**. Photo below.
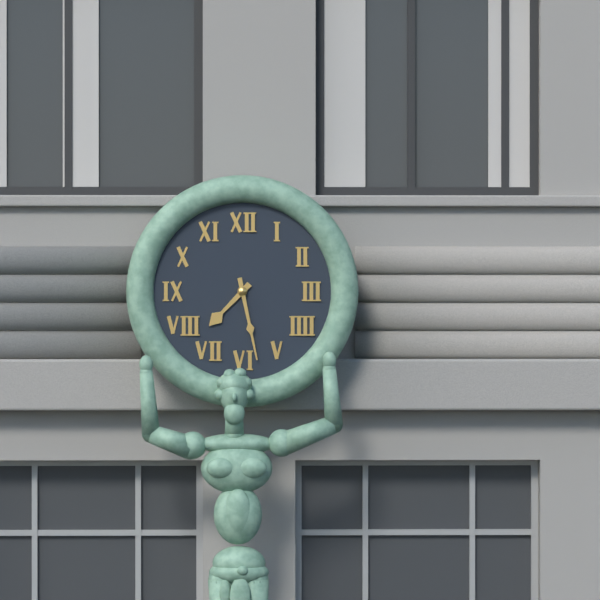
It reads **7:28**
